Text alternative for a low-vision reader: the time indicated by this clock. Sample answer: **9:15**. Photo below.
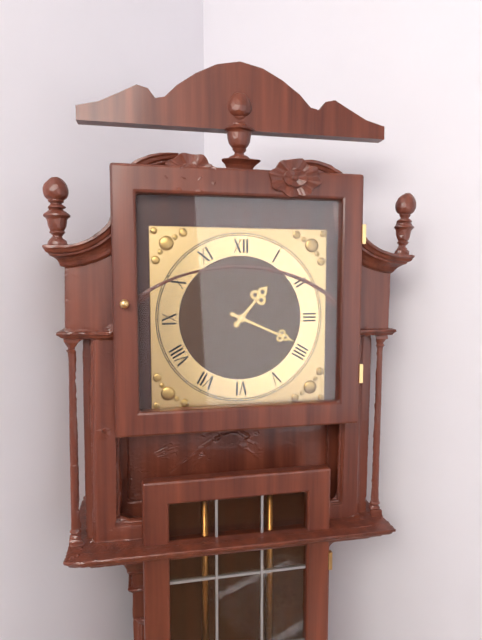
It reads **1:19**
